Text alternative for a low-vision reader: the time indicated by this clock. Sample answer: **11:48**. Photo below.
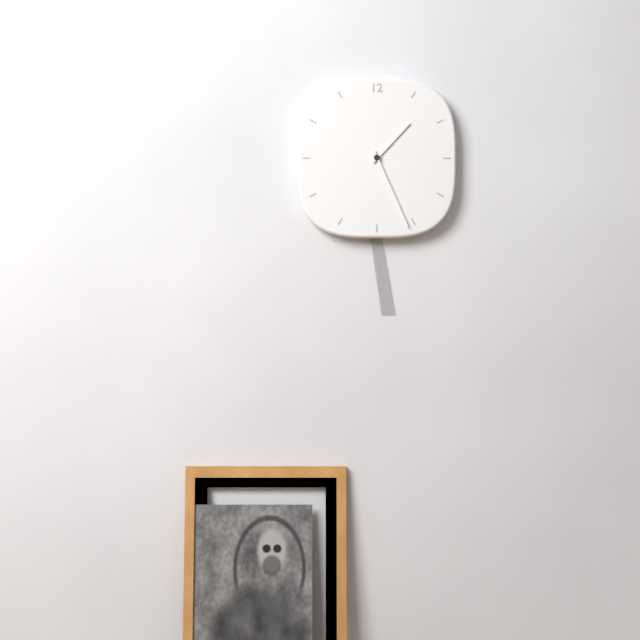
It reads **1:26**
